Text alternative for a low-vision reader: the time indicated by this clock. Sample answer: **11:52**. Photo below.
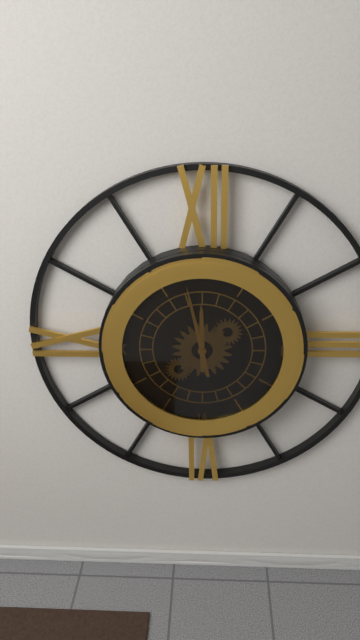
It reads **11:58**
